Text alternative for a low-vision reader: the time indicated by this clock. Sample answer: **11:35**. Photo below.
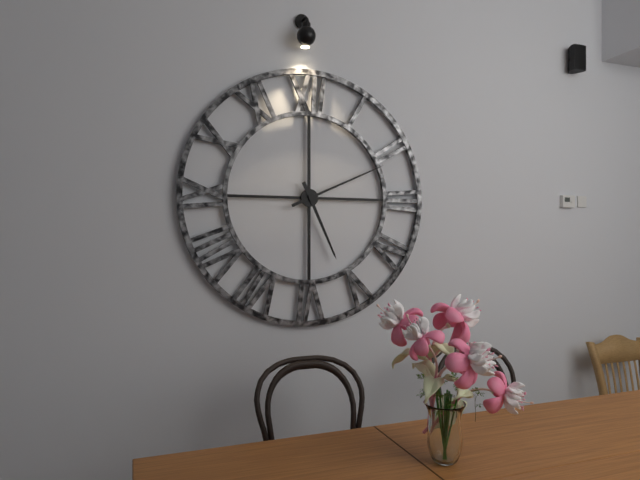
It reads **5:11**
